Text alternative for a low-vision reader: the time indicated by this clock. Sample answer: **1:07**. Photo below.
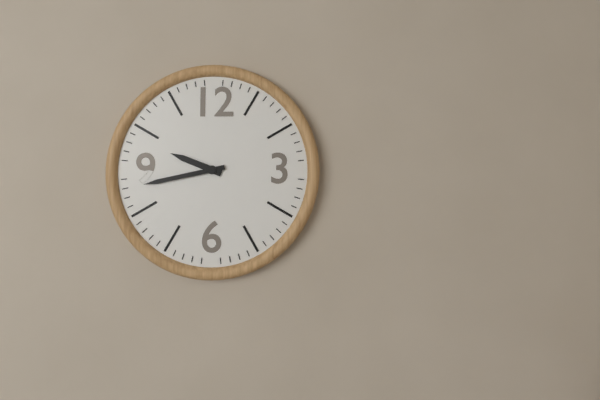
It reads **9:43**
